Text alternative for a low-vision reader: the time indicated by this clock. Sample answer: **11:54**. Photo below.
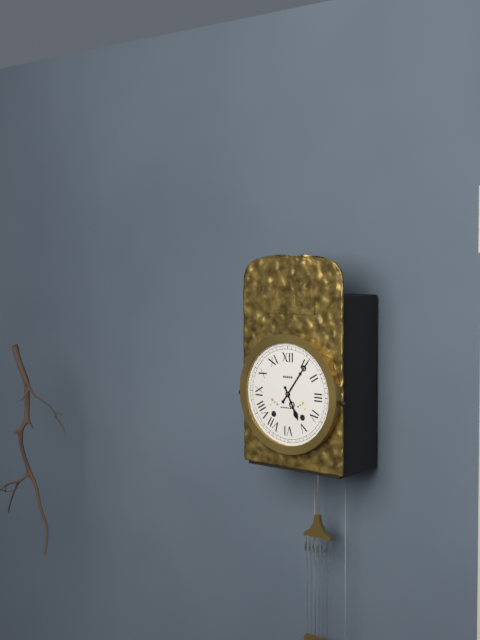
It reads **5:06**
